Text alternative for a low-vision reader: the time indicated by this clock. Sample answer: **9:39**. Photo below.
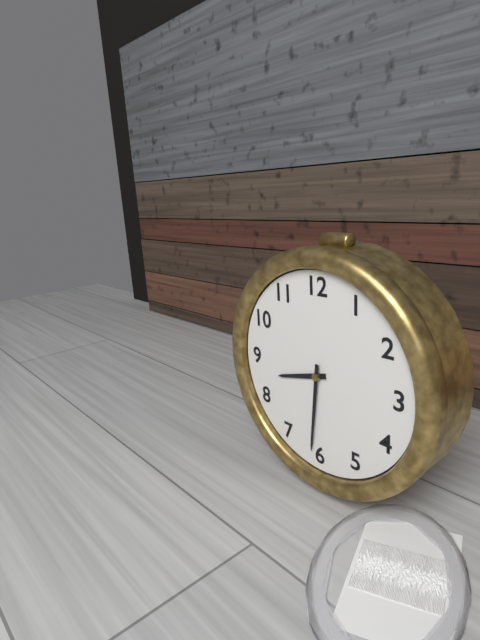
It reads **8:31**
